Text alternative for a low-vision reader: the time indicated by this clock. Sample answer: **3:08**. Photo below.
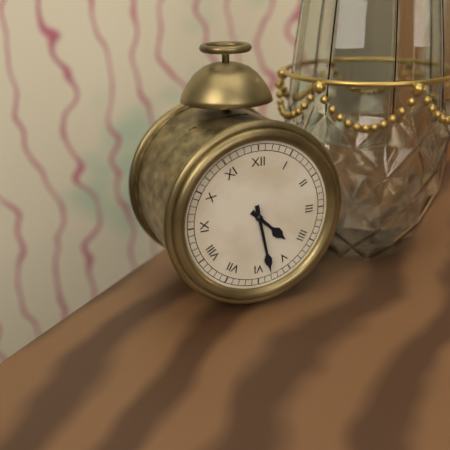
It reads **4:28**
